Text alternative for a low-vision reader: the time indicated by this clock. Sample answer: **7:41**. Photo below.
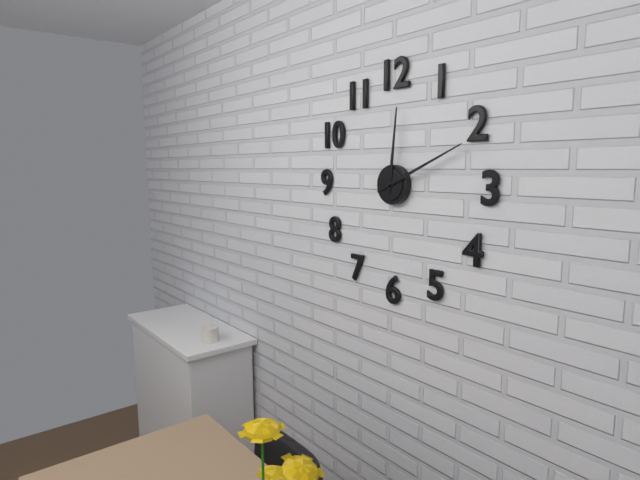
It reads **12:11**
